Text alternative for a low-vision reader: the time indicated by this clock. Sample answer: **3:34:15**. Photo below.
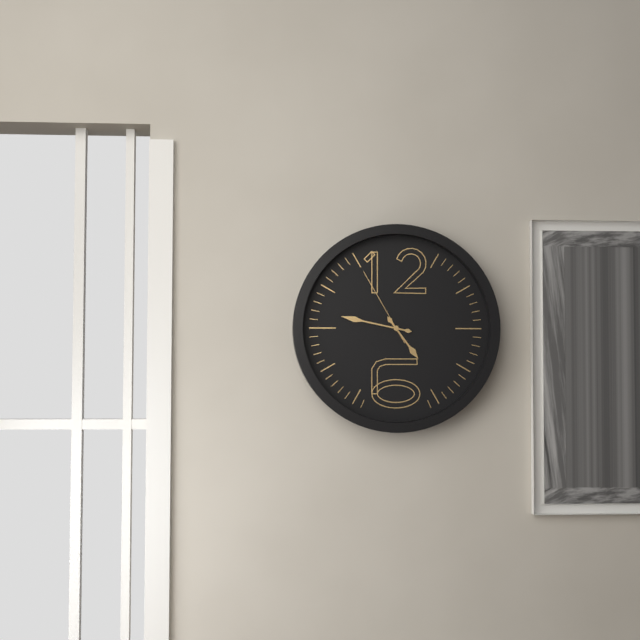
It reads **4:47:55**
